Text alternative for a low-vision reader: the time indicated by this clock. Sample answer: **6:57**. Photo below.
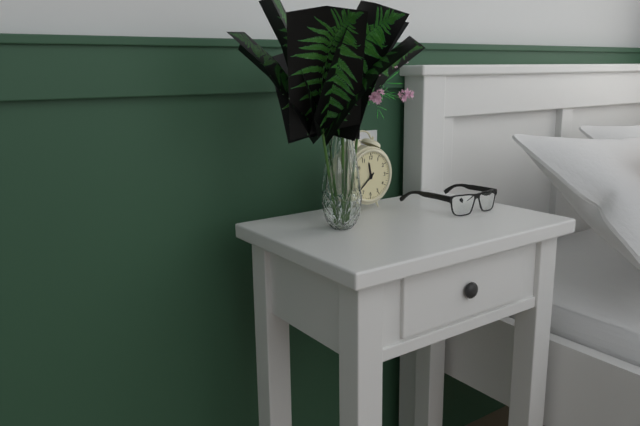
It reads **11:38**
